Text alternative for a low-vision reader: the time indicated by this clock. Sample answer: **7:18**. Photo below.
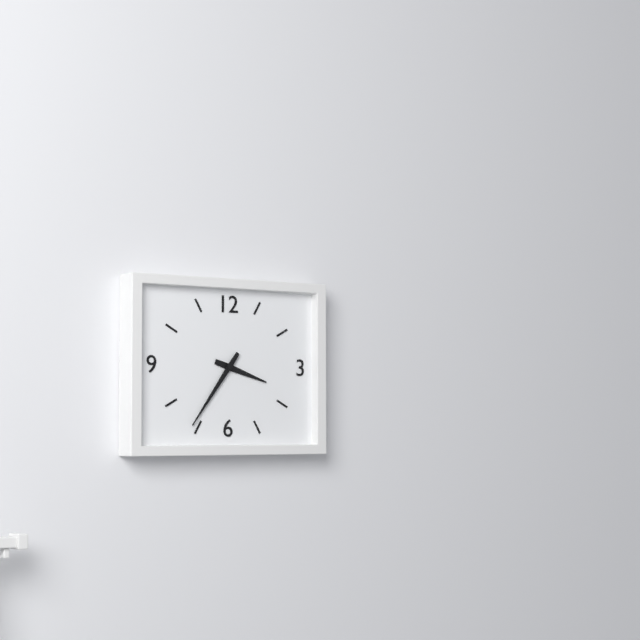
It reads **3:36**
